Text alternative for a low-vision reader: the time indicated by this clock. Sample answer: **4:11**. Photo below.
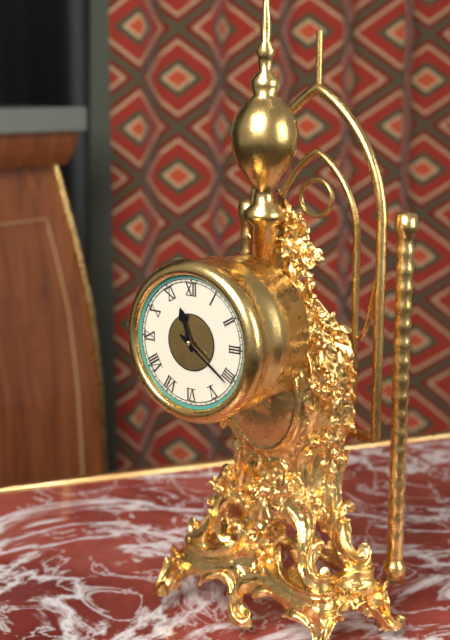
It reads **11:21**
